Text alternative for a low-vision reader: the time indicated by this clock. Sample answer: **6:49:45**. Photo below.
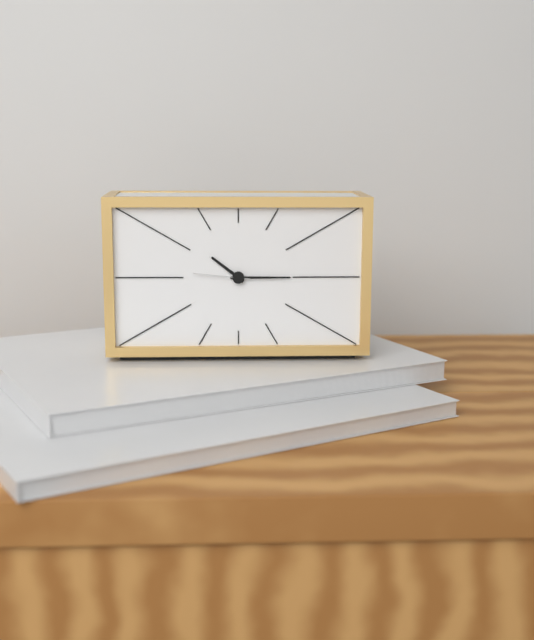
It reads **10:15:46**
